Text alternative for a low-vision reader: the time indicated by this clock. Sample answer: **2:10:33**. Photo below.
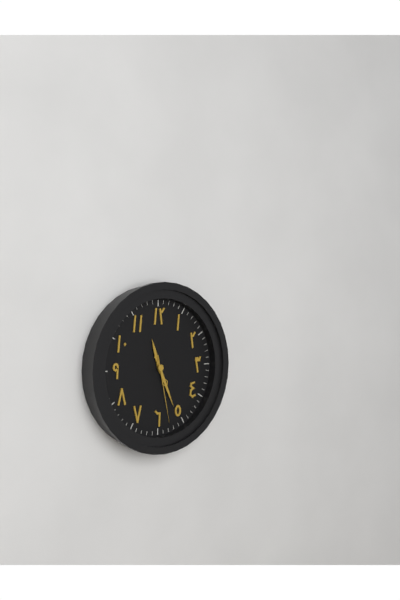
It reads **11:26:28**
